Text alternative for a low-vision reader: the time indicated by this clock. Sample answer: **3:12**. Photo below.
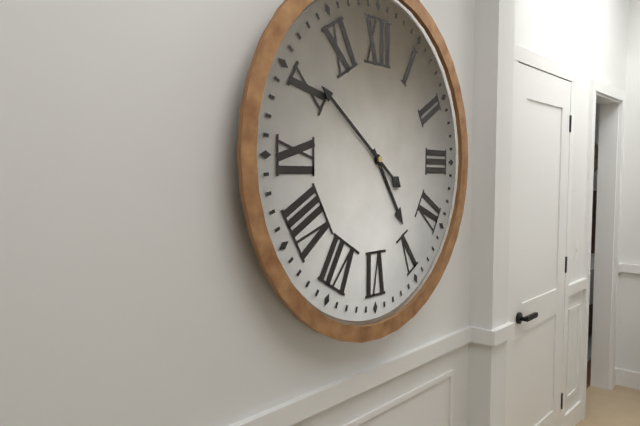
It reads **4:51**
